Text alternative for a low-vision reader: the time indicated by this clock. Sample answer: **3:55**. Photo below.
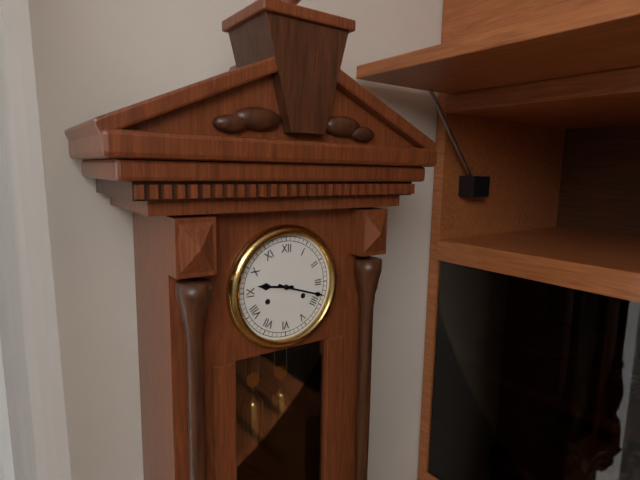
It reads **9:18**
